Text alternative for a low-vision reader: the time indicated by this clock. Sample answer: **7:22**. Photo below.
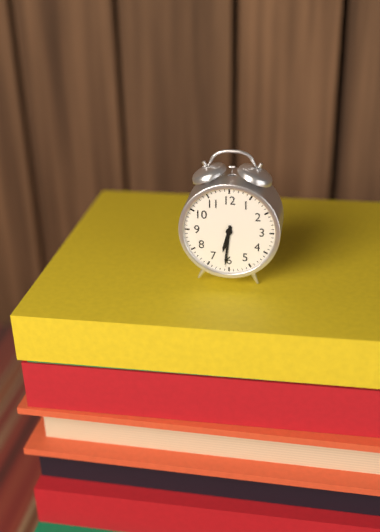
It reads **6:31**
